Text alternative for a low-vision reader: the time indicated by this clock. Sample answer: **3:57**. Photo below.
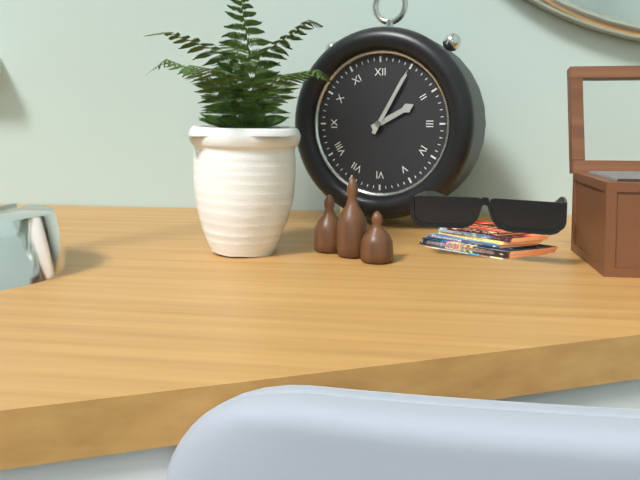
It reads **2:05**
